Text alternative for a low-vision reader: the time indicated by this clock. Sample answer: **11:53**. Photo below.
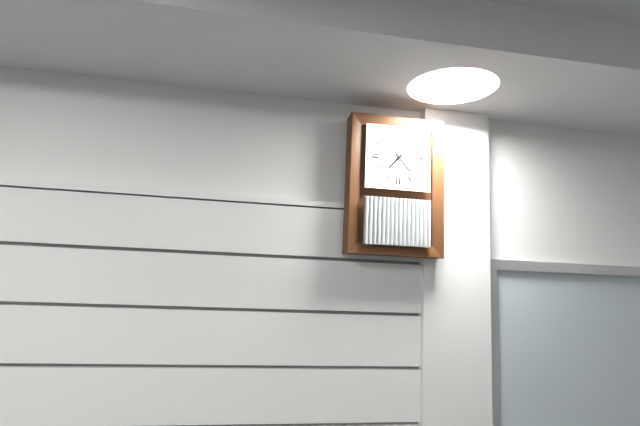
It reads **7:23**
